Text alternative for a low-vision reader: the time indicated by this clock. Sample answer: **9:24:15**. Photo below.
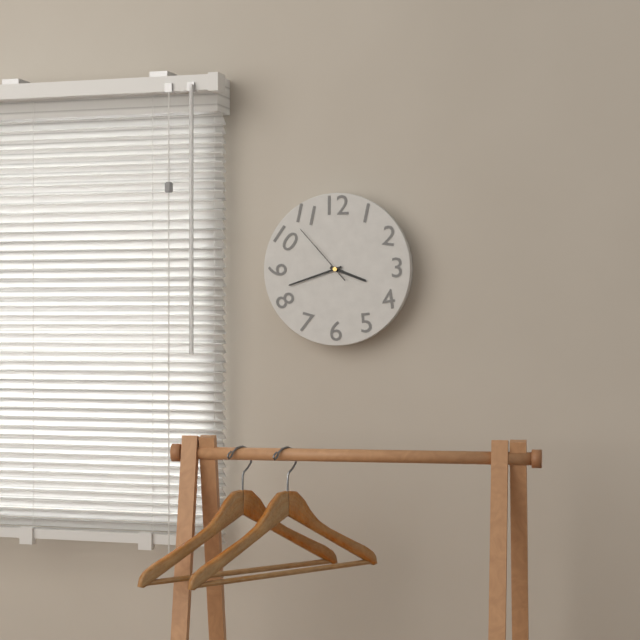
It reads **3:42:53**
